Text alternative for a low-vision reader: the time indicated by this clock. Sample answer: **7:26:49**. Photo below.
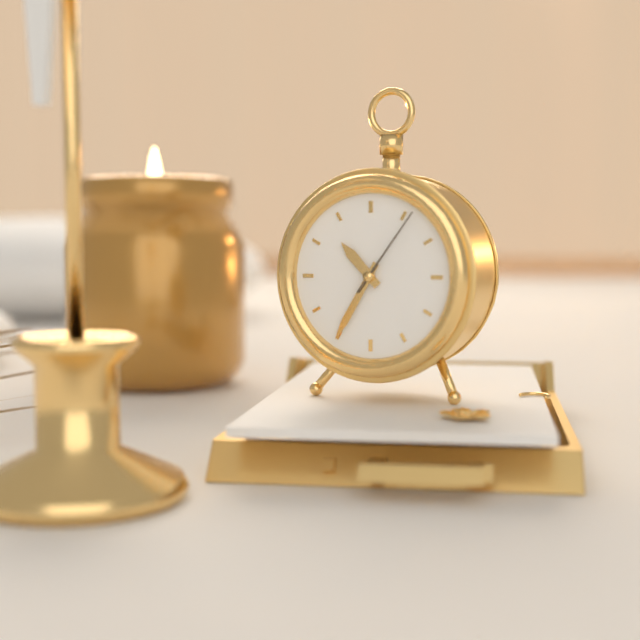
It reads **10:35:06**
